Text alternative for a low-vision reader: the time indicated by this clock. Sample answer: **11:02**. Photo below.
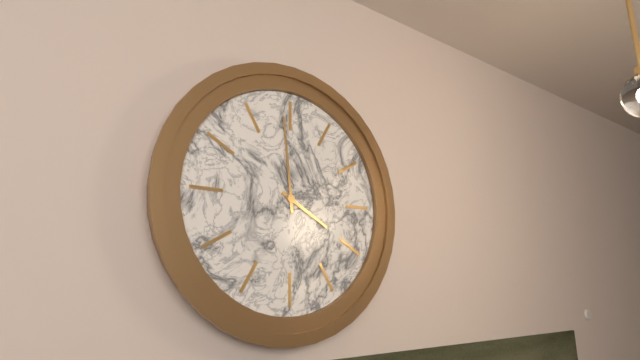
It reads **3:59**
